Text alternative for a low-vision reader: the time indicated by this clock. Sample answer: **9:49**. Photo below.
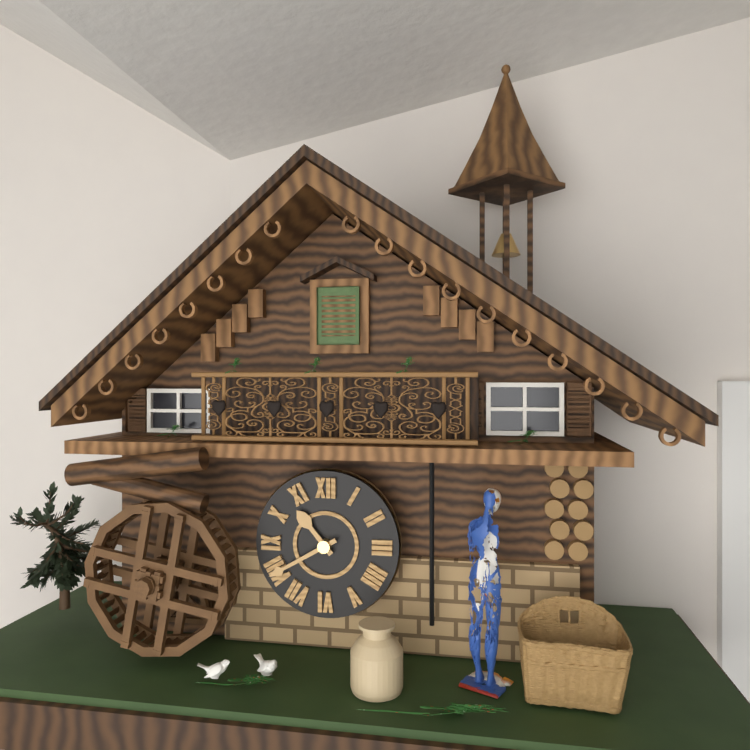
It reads **10:40**
